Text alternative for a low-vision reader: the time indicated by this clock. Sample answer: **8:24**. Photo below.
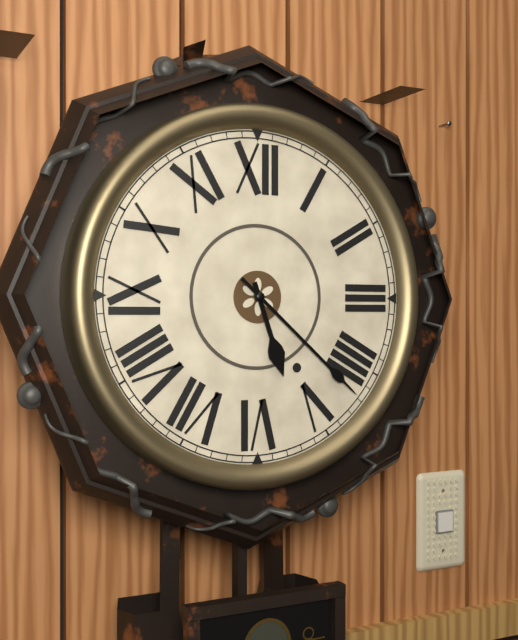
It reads **5:22**
